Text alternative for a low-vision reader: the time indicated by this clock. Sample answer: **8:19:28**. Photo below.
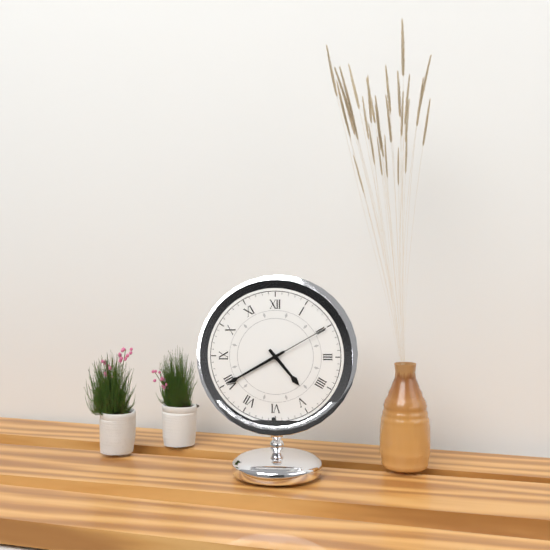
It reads **4:40:10**
